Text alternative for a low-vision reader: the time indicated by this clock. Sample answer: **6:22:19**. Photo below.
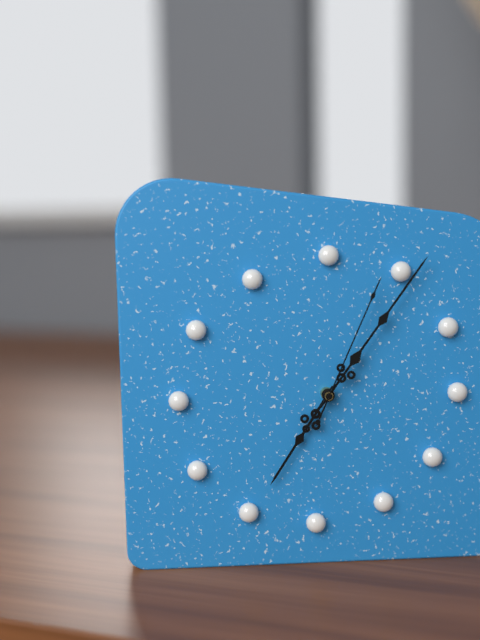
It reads **7:06:04**
